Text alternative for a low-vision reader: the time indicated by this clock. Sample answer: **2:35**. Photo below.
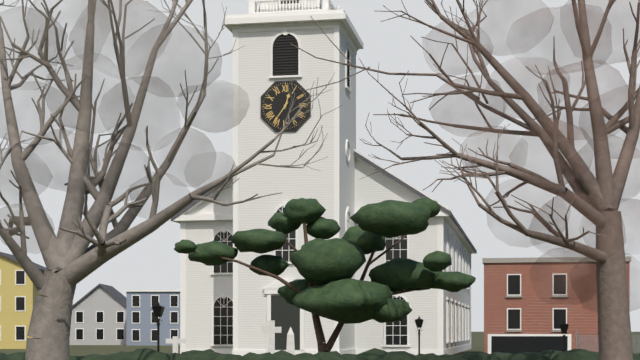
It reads **12:36**
